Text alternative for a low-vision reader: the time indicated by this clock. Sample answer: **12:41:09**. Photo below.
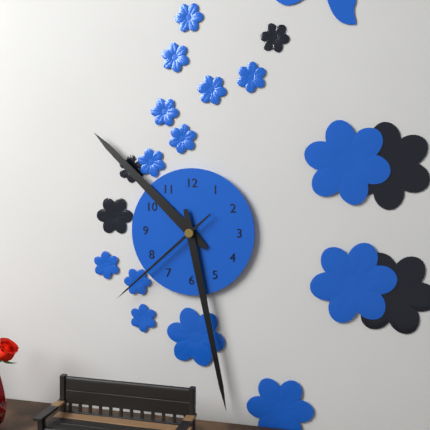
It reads **10:28:38**
